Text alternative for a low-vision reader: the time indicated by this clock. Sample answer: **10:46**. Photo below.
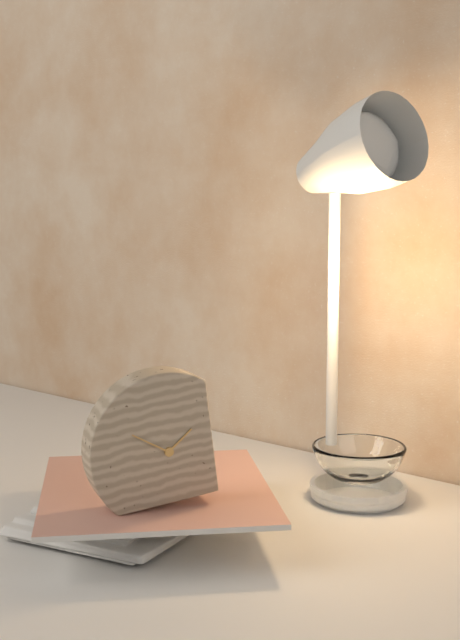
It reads **1:51**
